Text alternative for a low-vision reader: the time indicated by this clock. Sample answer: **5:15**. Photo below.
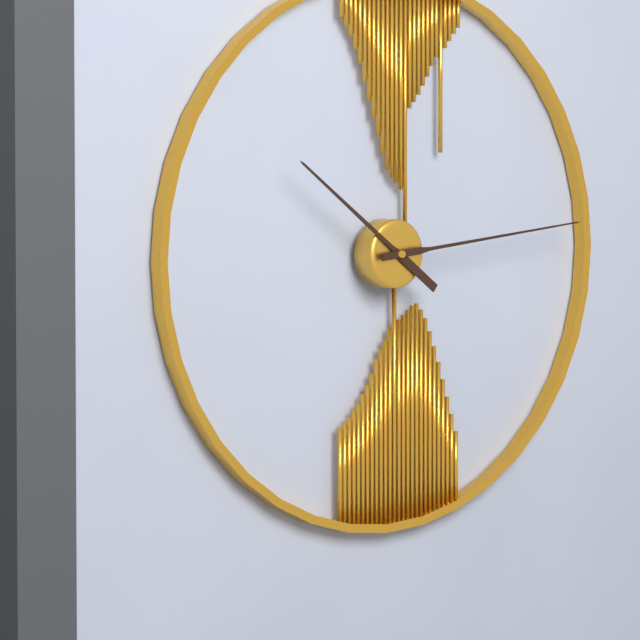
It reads **10:14**
